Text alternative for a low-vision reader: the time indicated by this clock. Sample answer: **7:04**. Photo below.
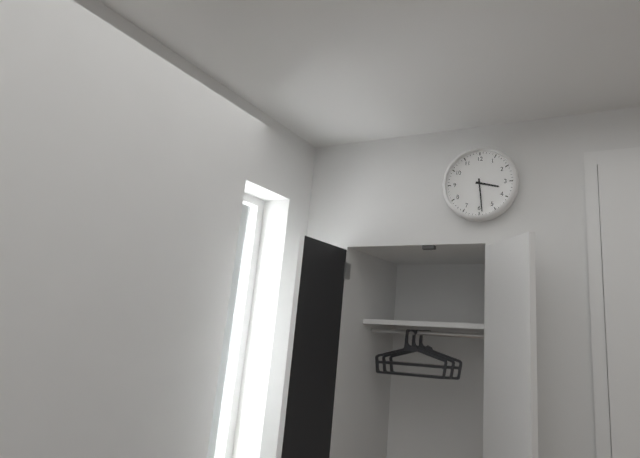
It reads **3:29**
